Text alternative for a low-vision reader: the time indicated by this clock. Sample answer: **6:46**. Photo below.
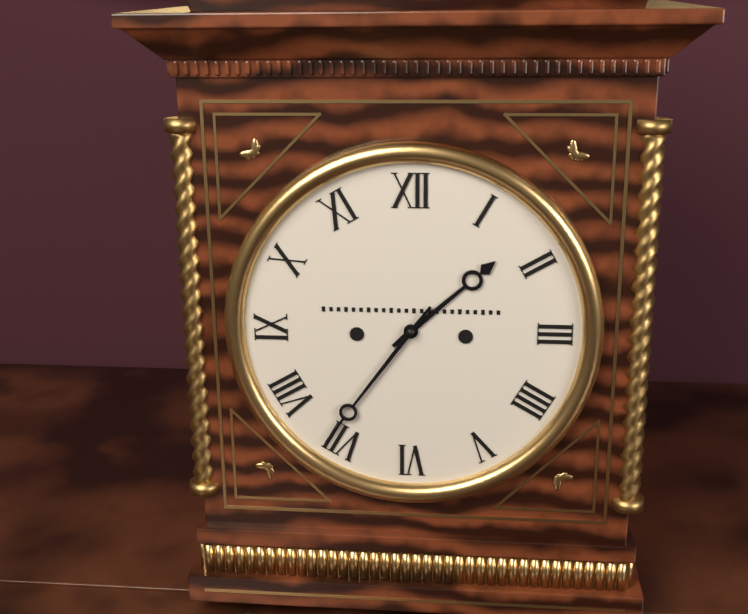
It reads **1:36**
